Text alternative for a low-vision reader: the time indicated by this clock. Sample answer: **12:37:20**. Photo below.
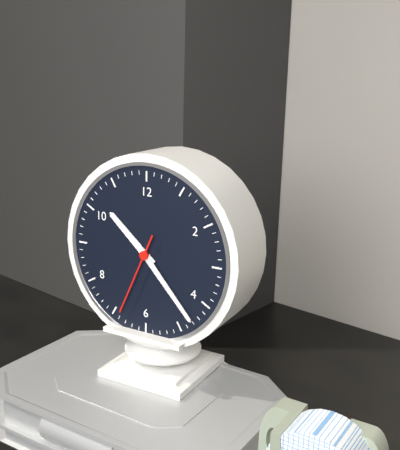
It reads **10:23:34**
